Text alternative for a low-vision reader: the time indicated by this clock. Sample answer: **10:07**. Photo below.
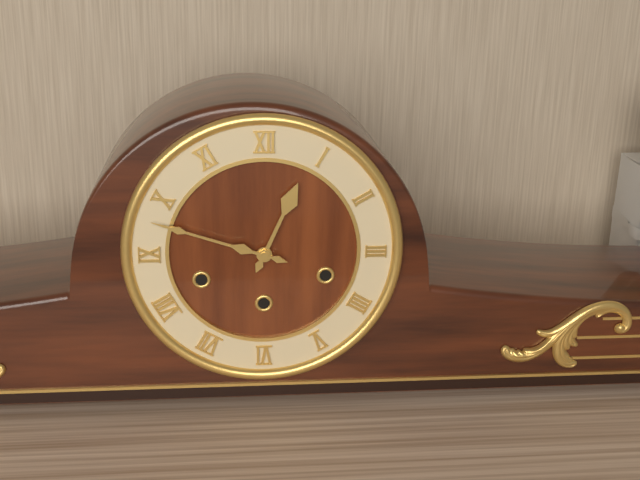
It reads **12:48**
